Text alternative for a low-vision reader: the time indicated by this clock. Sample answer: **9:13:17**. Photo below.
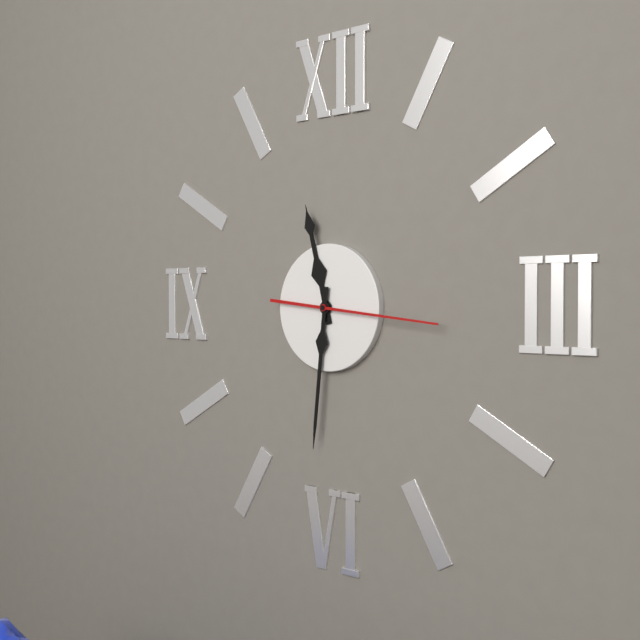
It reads **11:31:16**
